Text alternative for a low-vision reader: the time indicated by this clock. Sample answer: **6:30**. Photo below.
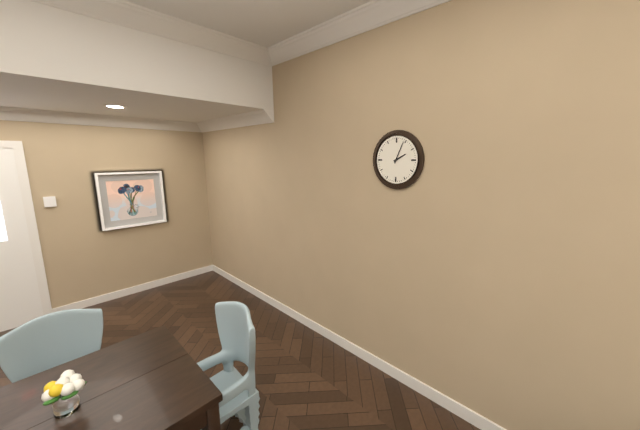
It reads **2:04**
